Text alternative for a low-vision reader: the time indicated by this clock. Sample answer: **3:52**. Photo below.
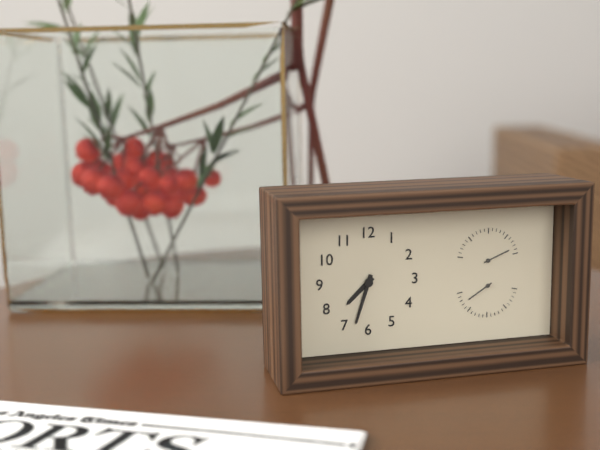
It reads **7:33**
